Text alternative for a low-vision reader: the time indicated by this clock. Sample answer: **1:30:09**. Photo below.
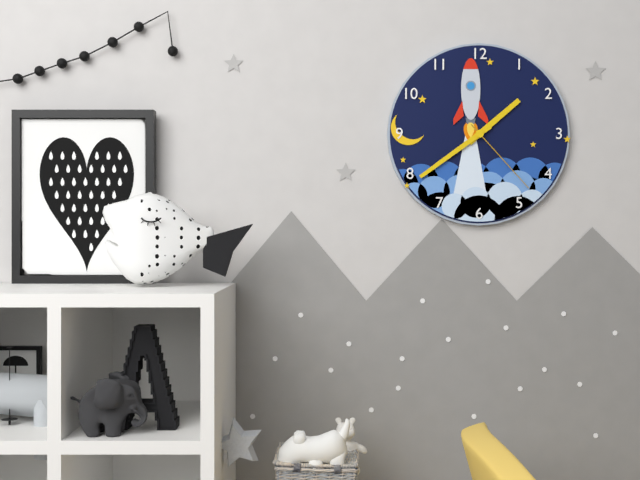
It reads **1:39:23**
